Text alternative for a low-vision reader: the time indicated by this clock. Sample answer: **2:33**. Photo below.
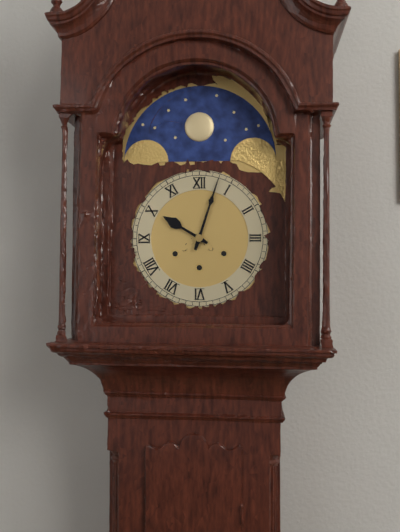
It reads **10:03**
